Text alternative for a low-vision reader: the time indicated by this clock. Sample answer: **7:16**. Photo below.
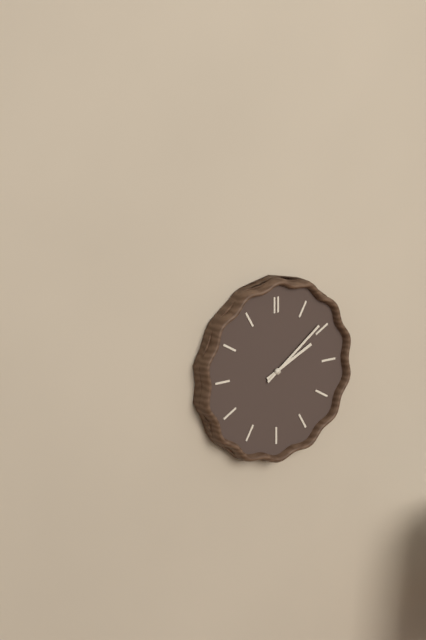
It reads **2:09**
